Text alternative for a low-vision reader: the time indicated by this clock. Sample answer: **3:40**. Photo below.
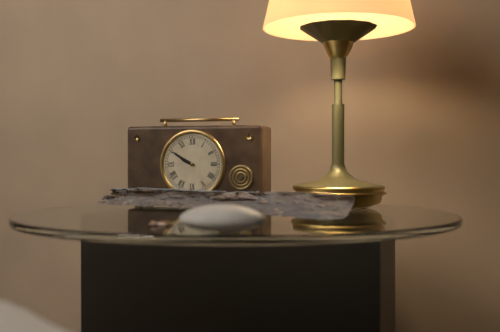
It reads **9:50**
